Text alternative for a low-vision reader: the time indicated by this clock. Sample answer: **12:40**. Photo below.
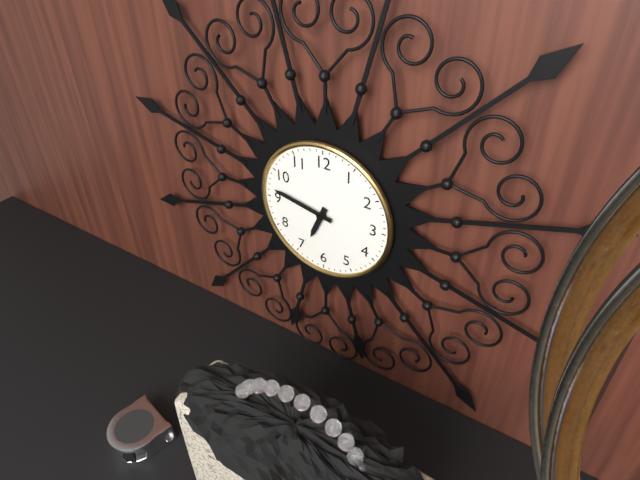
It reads **6:47**
